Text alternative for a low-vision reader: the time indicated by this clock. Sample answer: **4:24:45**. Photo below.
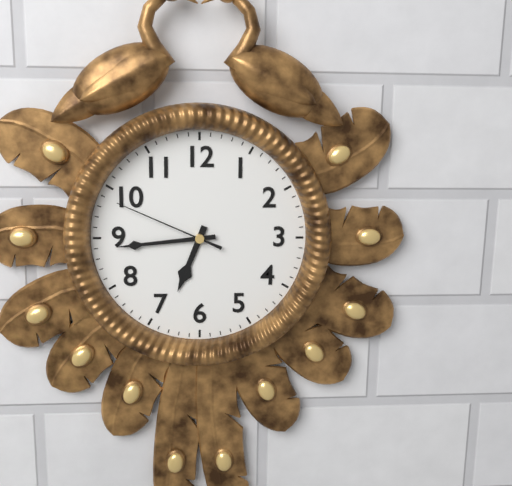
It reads **6:44:49**
